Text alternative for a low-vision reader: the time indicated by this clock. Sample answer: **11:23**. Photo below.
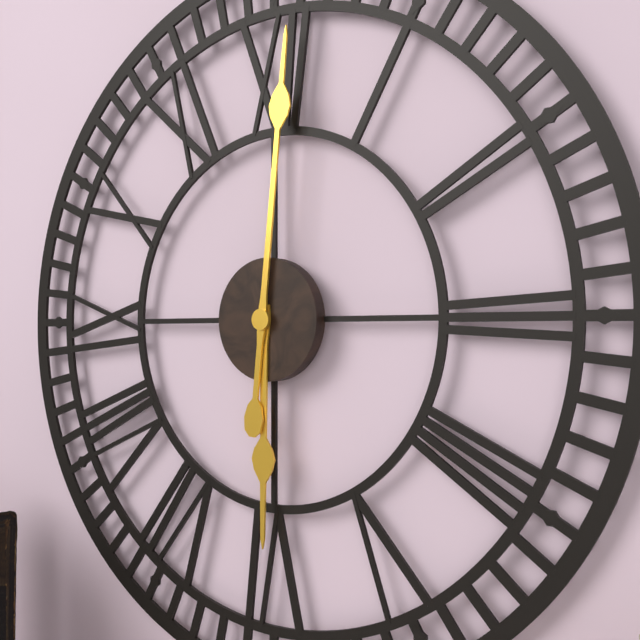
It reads **6:01**
